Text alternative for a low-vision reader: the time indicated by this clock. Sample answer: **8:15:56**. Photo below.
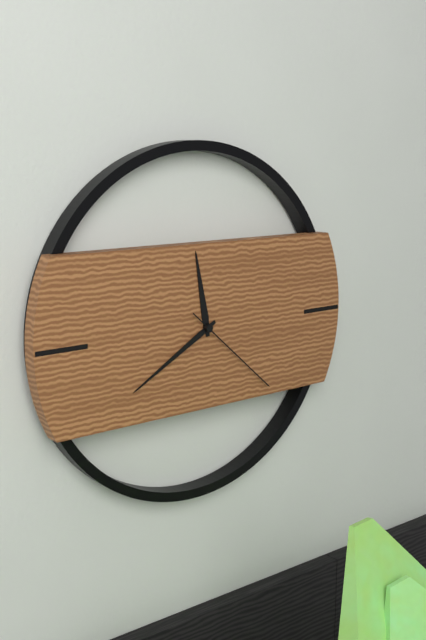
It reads **11:40:22**
